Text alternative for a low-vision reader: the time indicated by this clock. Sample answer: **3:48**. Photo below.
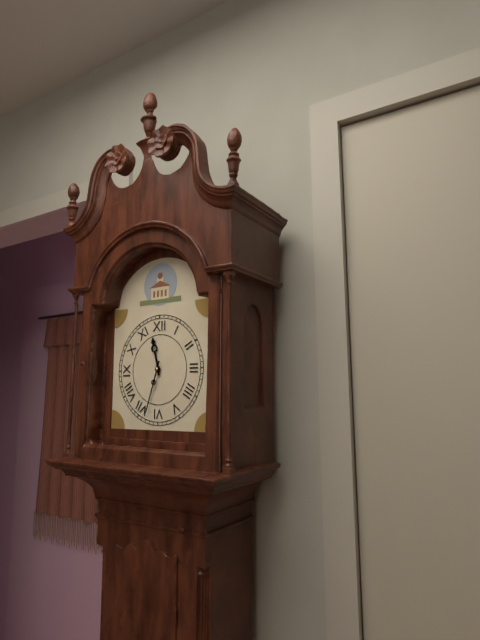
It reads **11:33**
